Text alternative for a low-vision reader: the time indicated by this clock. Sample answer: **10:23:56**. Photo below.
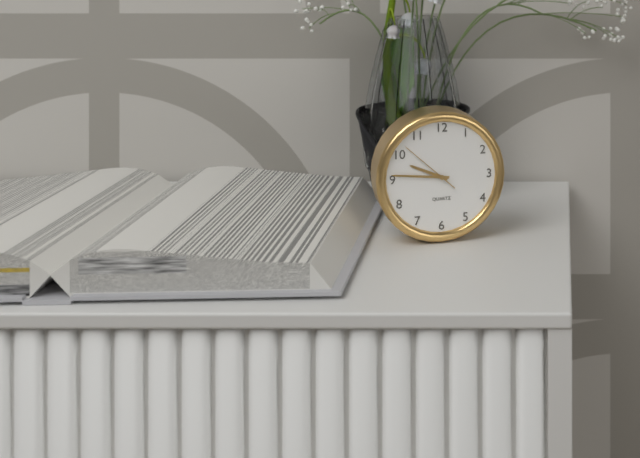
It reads **9:46:52**
